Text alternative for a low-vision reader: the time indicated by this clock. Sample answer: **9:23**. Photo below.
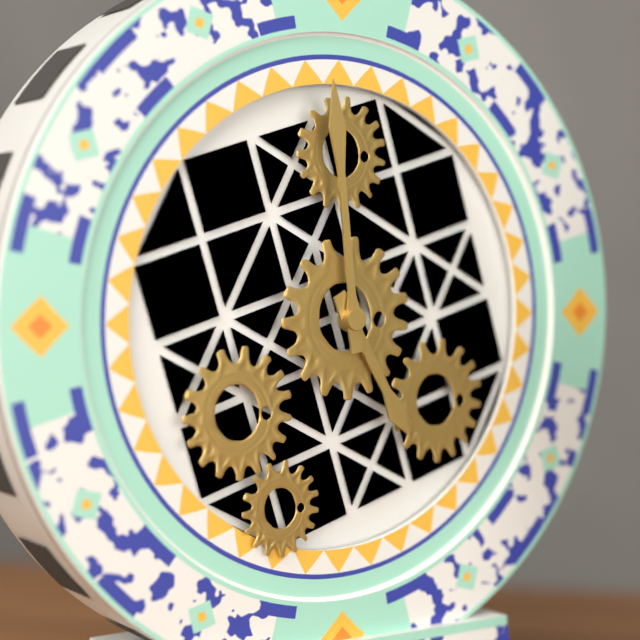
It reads **4:59**
